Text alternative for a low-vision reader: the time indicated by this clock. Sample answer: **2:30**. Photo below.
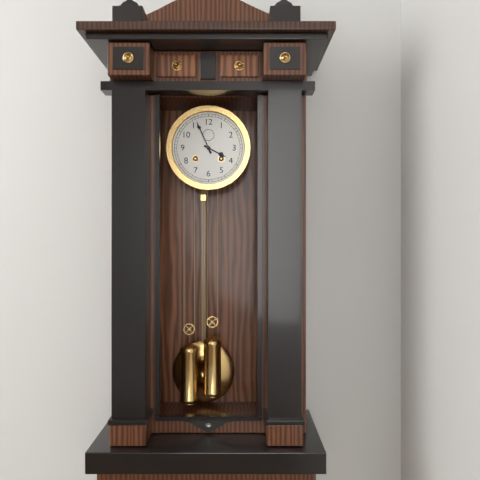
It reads **3:56**
